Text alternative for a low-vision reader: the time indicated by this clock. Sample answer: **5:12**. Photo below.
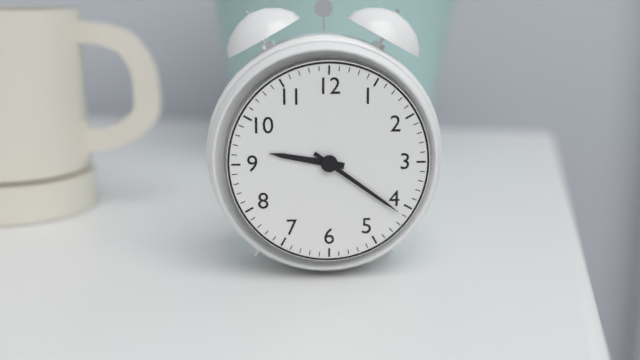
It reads **9:21**
